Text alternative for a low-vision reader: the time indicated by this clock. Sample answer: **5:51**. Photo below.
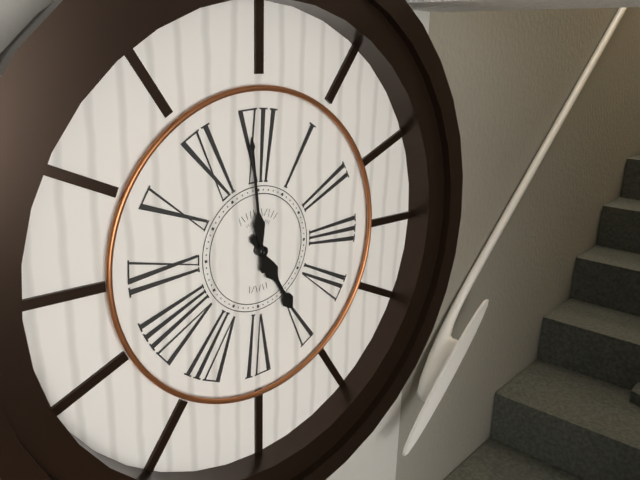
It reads **4:59**
